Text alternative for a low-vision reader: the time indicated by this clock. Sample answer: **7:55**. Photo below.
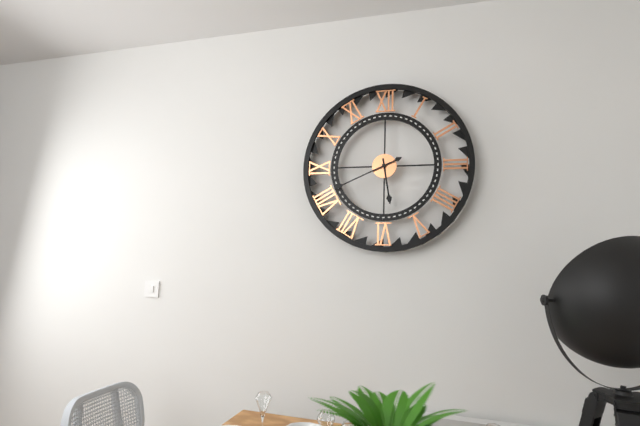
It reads **5:41**
